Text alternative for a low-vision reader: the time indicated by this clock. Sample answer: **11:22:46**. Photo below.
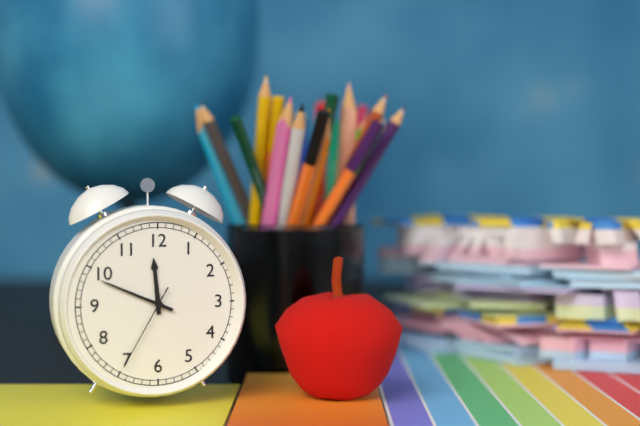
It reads **11:49:35**
